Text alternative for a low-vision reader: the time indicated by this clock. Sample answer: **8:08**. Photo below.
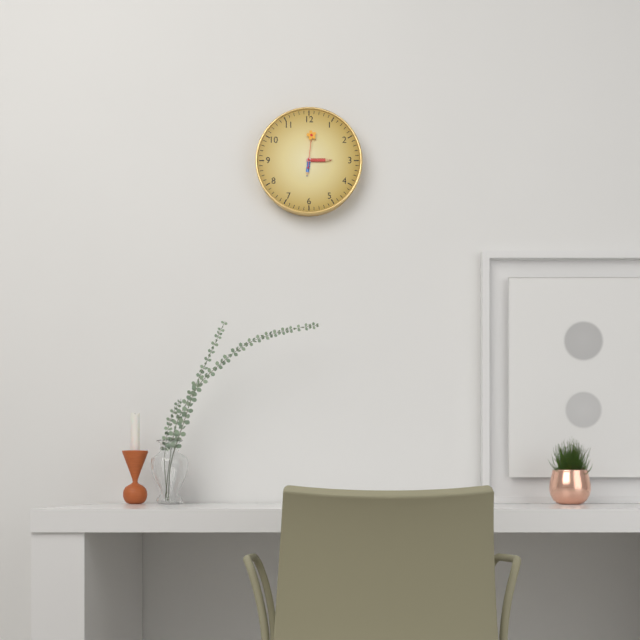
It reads **6:15**
